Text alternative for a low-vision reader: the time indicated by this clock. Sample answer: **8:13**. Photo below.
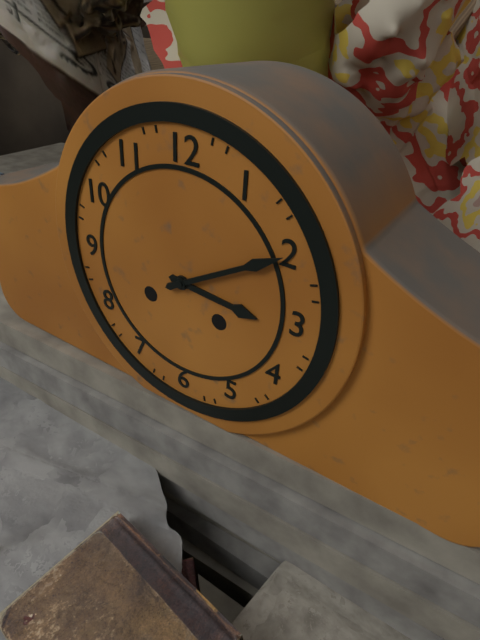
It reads **3:10**
